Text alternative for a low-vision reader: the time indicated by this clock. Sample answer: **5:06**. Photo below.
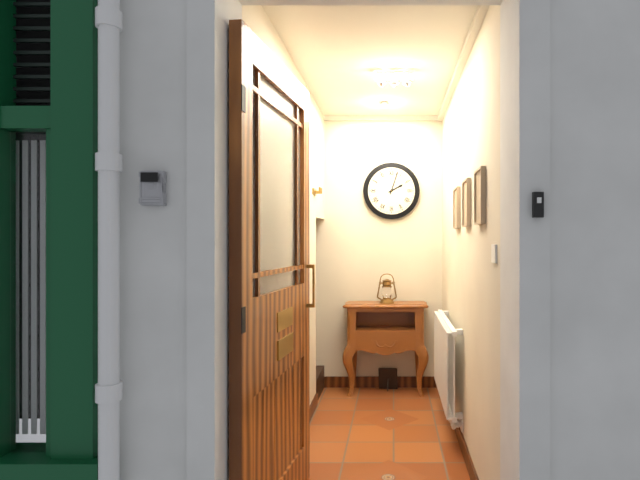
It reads **2:03**
